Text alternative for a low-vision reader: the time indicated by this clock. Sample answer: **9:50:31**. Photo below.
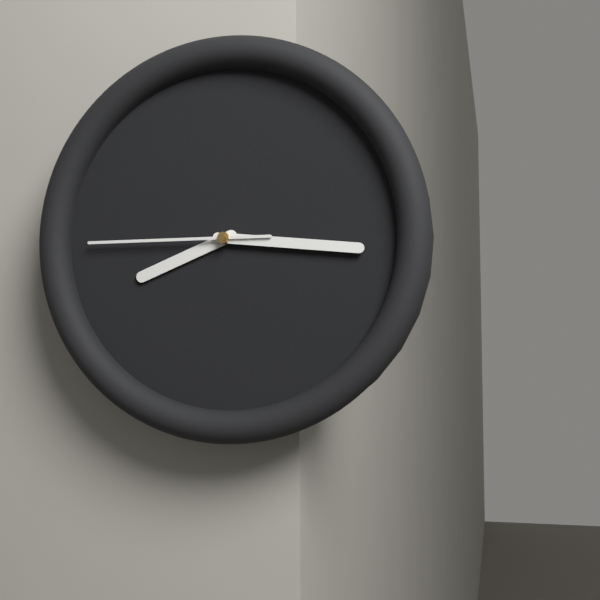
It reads **8:16:45**
